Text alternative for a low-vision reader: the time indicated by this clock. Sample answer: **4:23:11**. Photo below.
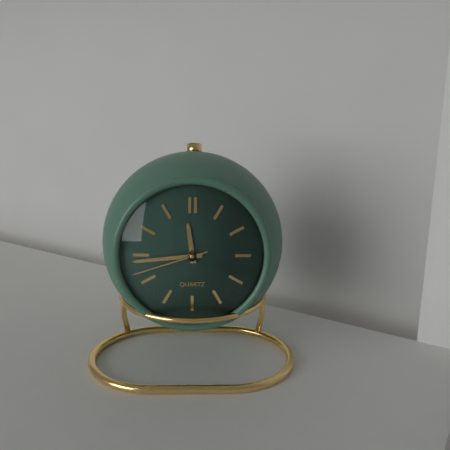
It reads **11:44:42**
